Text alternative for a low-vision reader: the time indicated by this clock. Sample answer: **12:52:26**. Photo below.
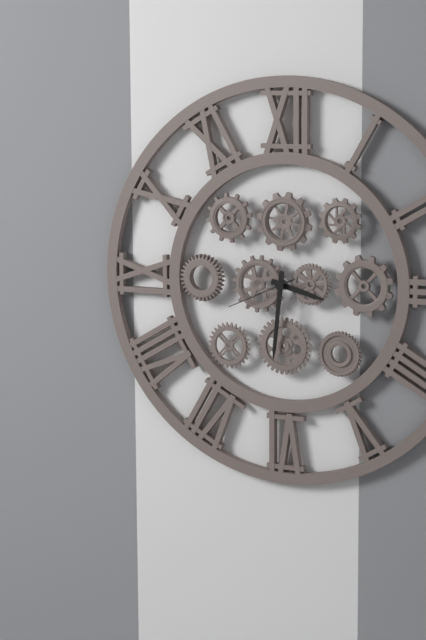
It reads **3:31:41**
